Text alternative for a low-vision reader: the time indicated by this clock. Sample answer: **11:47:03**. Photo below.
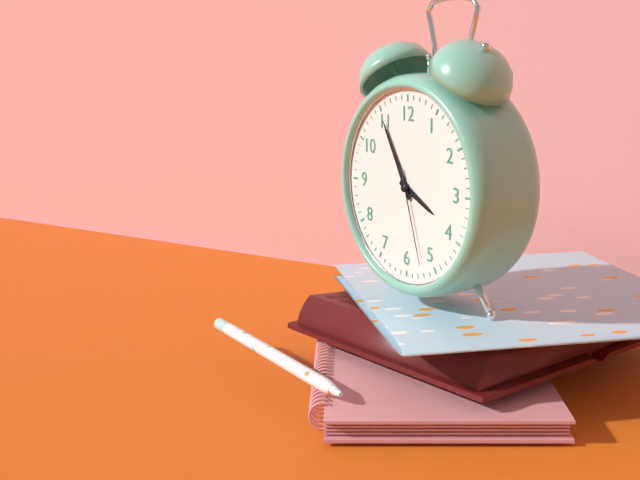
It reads **3:55:27**
